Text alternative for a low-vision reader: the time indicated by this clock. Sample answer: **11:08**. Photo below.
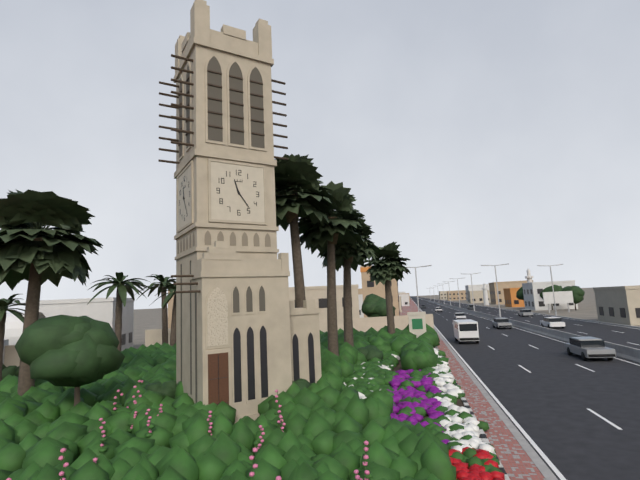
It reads **11:24**
